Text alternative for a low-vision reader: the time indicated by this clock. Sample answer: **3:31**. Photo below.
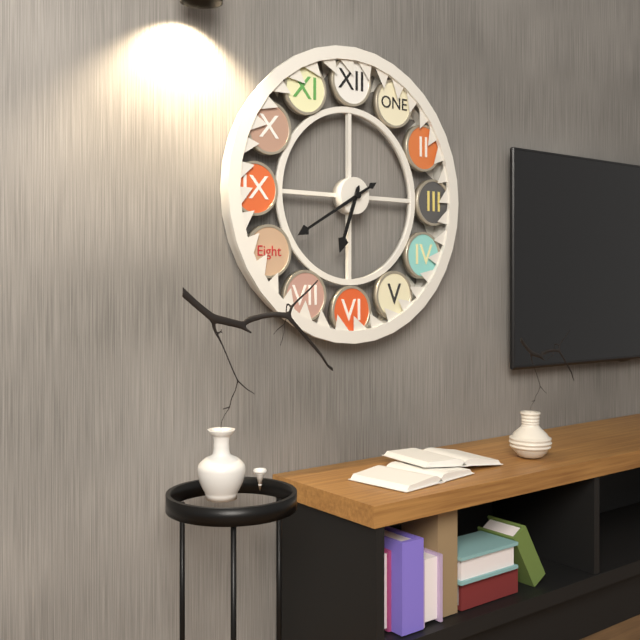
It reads **6:40**
